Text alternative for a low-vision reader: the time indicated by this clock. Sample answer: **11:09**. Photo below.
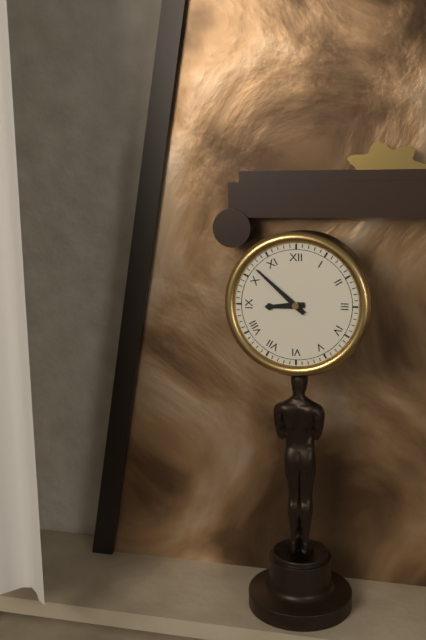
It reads **8:52**
